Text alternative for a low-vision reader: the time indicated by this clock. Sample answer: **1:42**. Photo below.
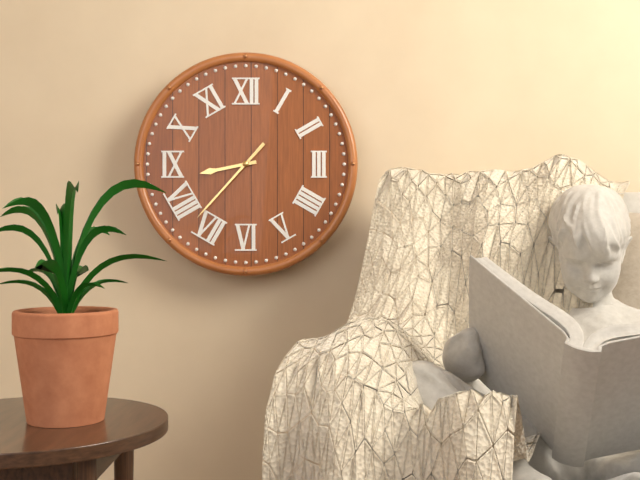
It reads **8:37**
